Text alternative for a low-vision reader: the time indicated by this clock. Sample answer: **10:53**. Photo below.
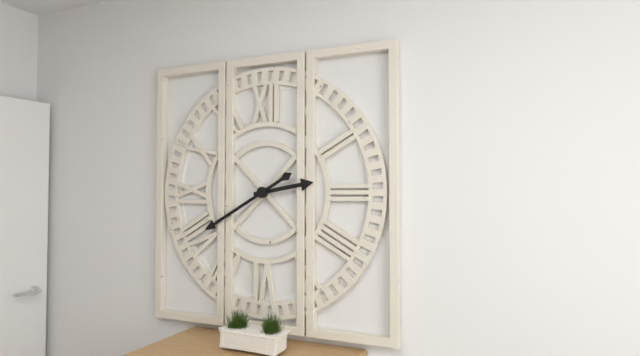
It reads **2:40**
